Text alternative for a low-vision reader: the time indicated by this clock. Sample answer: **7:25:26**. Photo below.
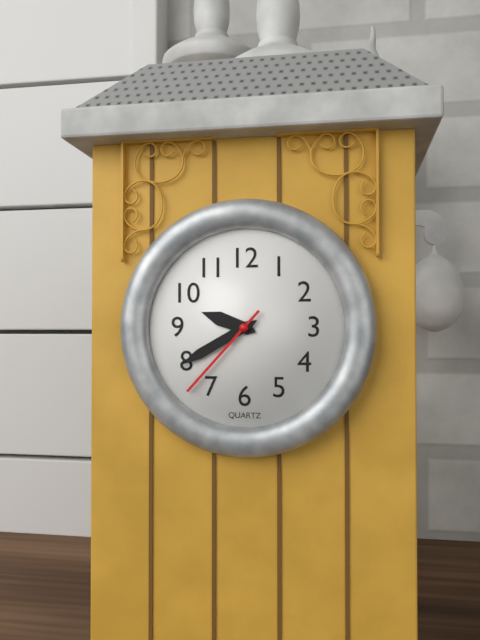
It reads **9:40:37**
